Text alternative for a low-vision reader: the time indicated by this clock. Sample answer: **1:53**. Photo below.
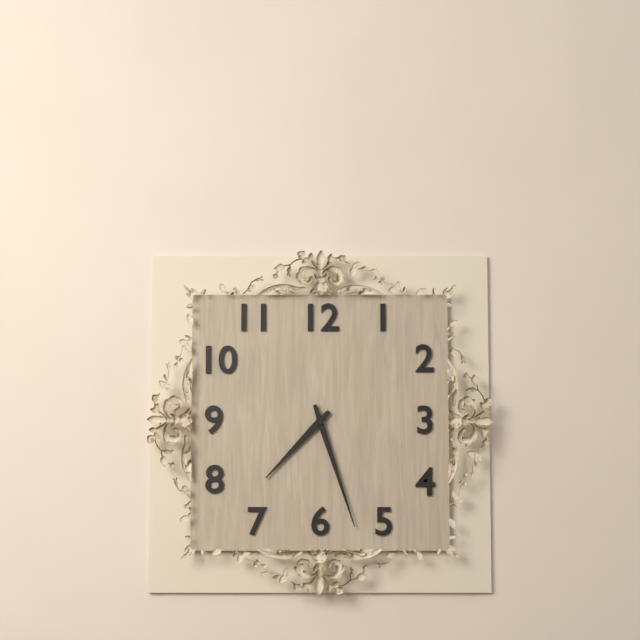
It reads **7:27**
